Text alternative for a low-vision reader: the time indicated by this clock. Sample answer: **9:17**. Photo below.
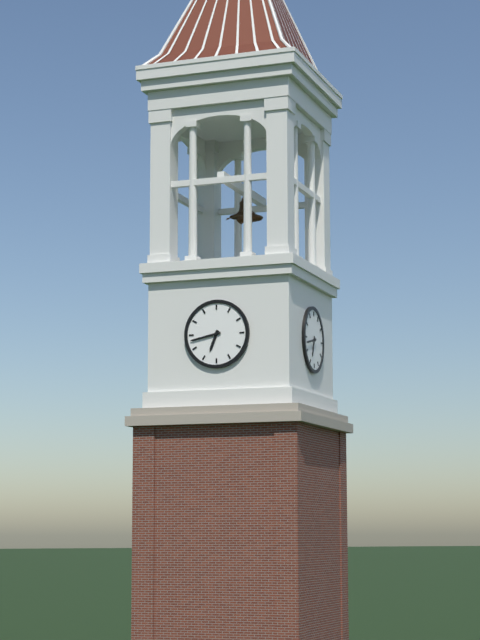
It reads **6:43**
